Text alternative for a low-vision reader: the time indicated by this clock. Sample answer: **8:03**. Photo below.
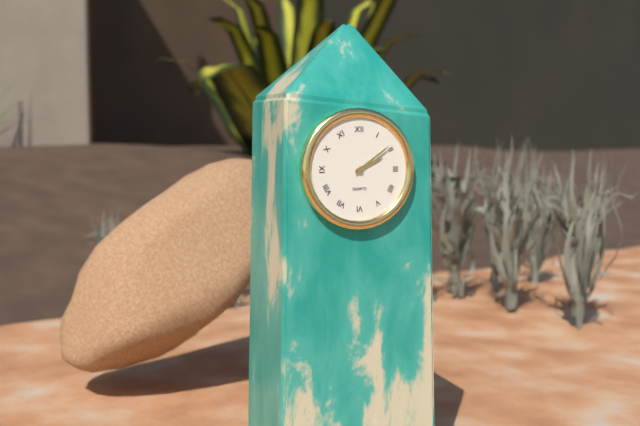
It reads **2:09**
